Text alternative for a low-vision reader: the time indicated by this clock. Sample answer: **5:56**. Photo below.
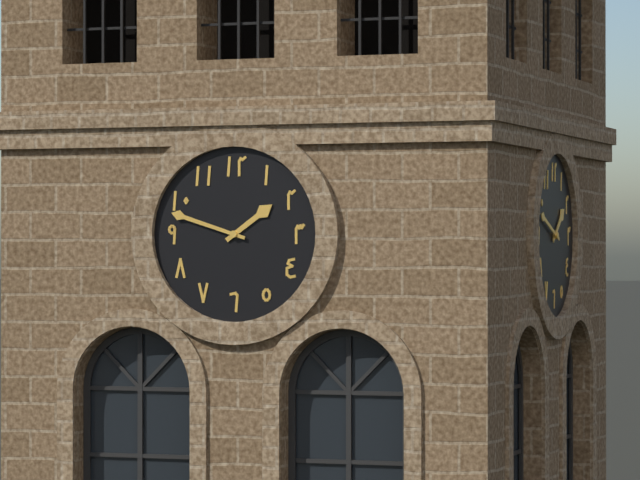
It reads **1:48**
